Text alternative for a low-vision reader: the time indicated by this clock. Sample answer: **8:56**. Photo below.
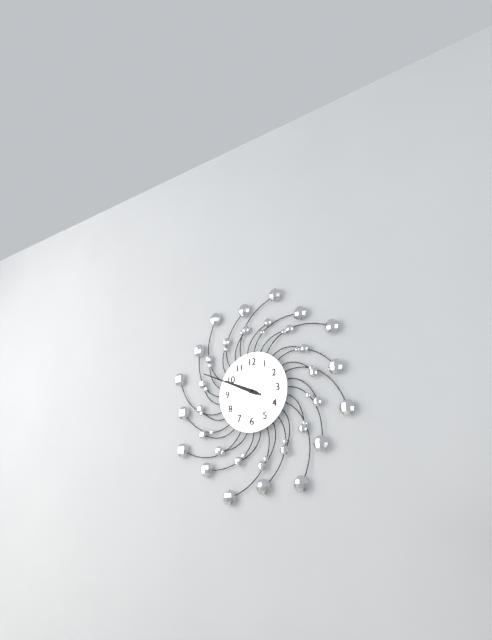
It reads **9:49**
